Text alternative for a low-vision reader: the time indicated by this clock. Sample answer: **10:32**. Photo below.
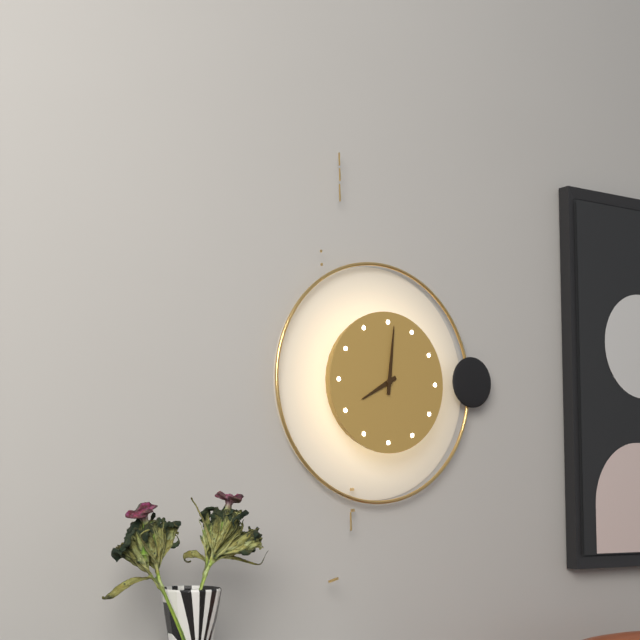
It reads **8:01**
